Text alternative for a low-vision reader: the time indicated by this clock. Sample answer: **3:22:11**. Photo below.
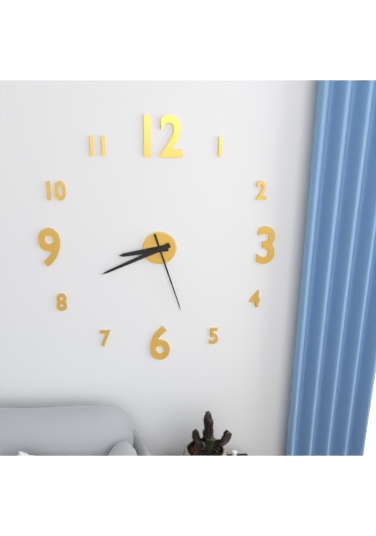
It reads **8:41:27**
